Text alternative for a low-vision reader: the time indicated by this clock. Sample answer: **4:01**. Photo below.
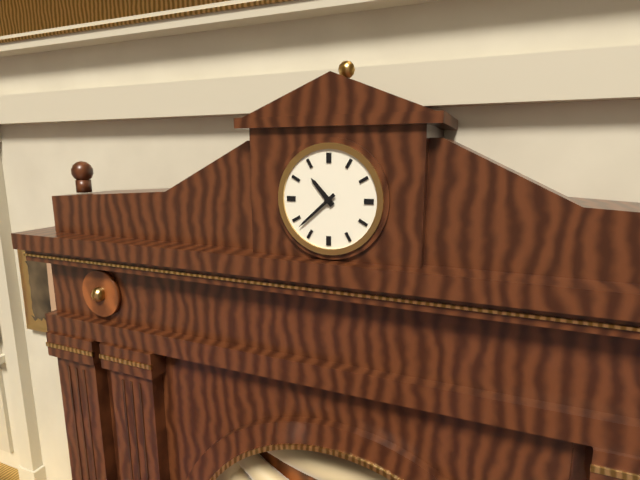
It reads **10:38**
